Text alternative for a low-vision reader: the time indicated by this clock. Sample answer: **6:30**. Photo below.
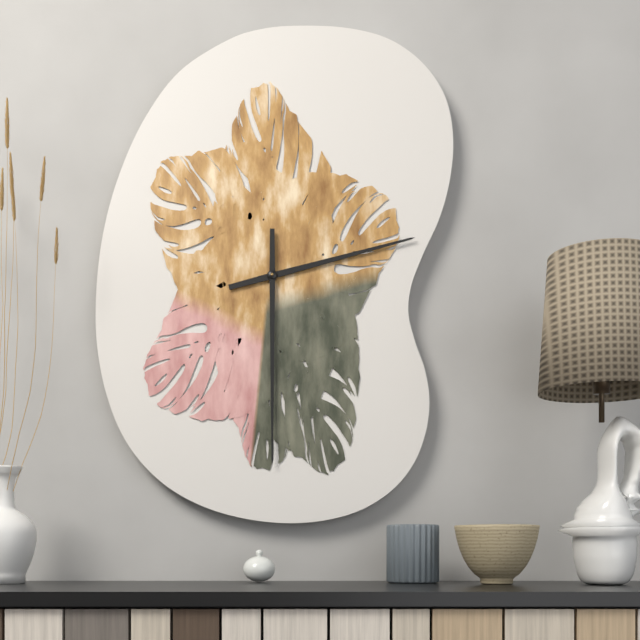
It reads **2:30**
